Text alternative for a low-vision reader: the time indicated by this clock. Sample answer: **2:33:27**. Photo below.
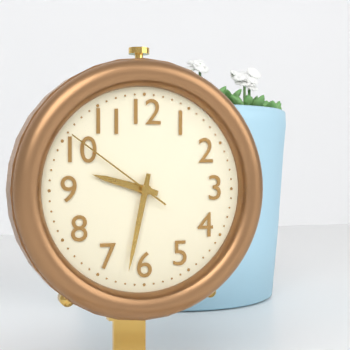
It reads **9:32:51**
